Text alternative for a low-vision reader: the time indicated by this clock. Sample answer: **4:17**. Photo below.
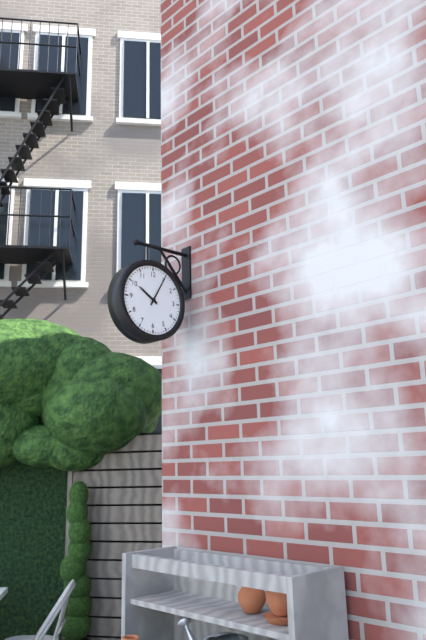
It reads **10:05**
